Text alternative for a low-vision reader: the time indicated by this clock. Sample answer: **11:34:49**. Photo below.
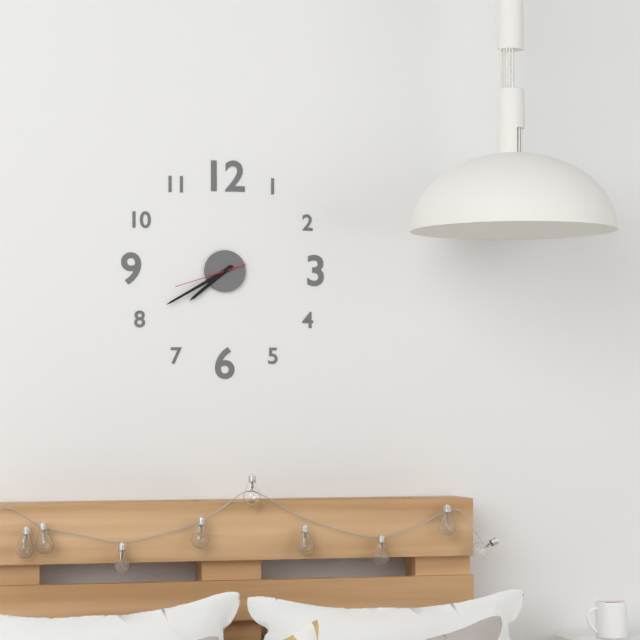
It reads **7:40:42**
